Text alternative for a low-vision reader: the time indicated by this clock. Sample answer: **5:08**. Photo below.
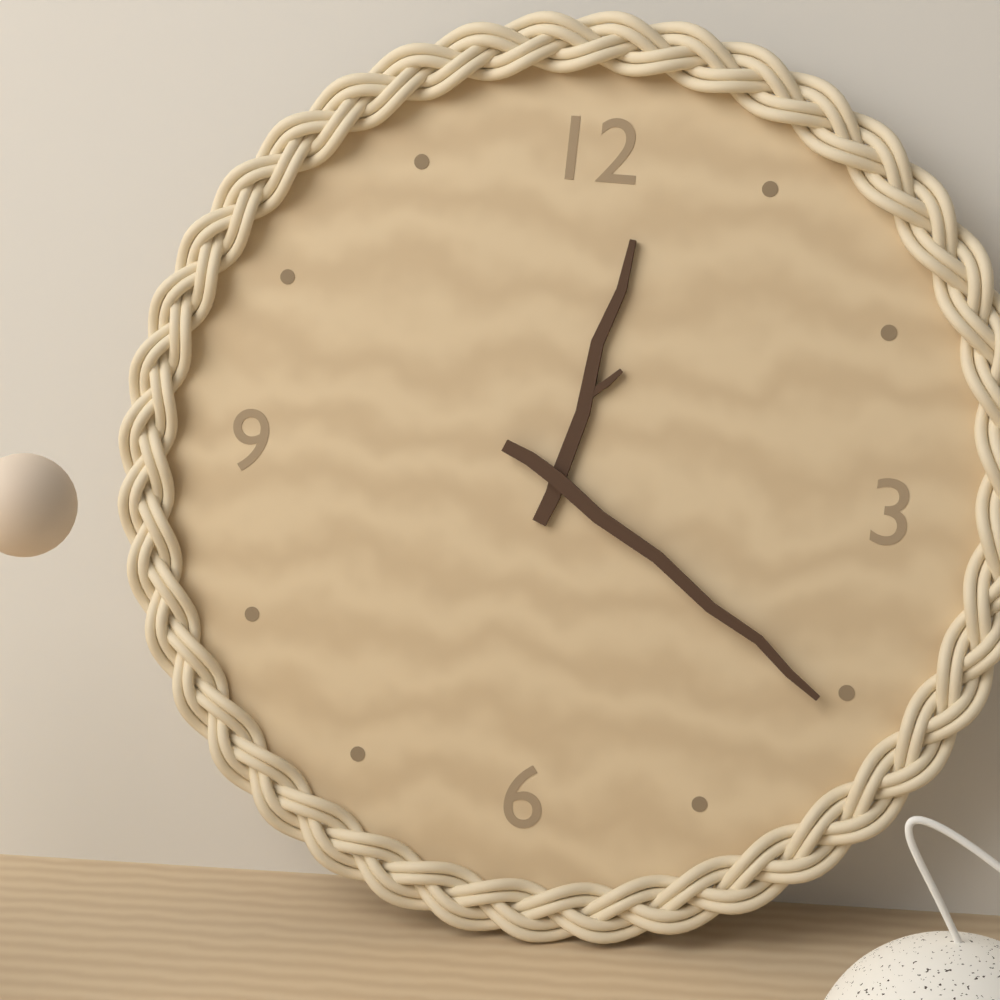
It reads **12:20**
